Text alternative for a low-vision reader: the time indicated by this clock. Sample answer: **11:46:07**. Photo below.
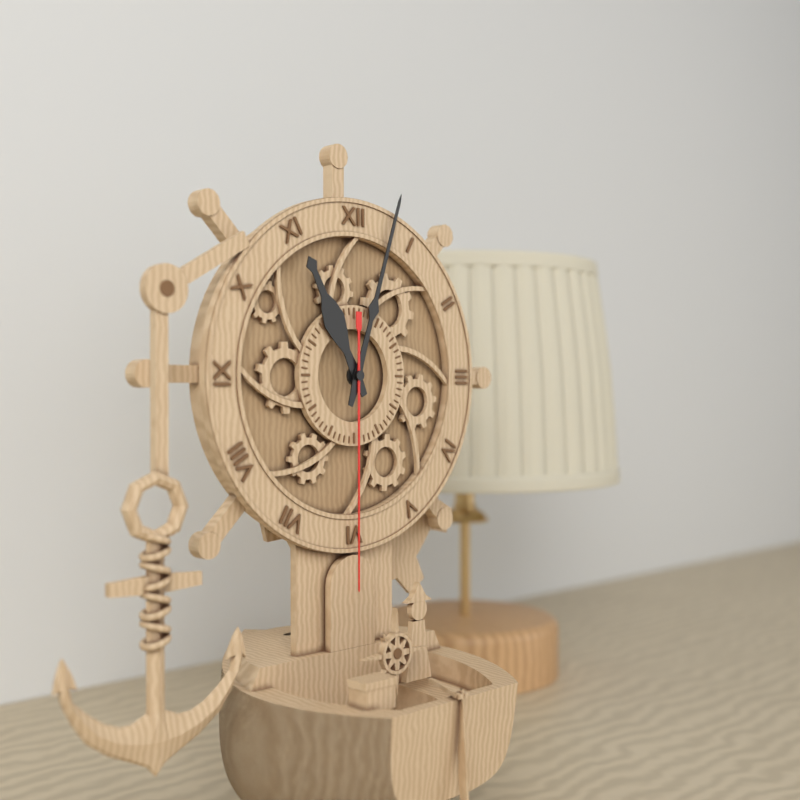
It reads **11:03:30**
